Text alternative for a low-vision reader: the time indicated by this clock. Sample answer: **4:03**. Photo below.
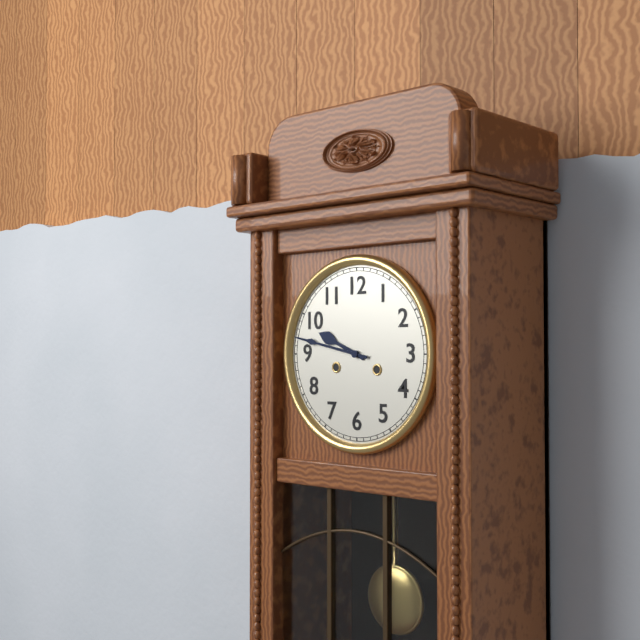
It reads **9:47**
